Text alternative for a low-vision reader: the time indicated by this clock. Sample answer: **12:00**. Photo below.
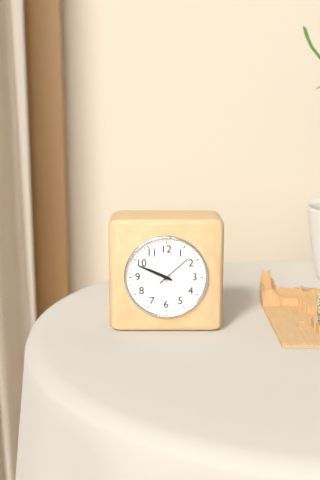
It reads **9:49**
